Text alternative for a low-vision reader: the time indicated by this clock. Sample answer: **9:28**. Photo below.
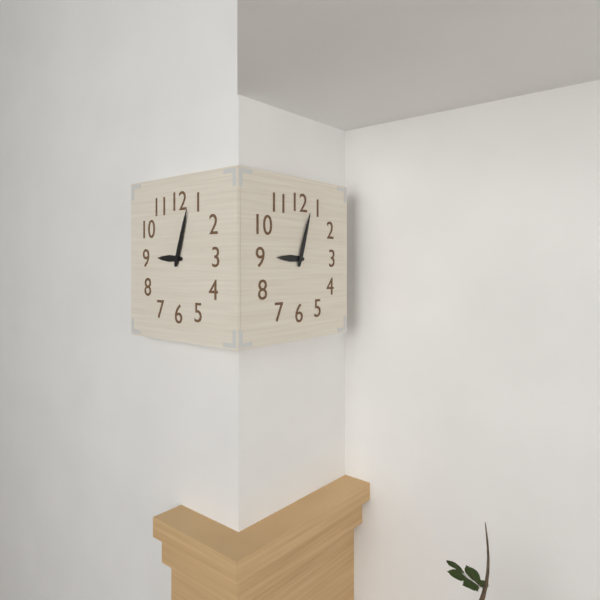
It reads **9:03**
